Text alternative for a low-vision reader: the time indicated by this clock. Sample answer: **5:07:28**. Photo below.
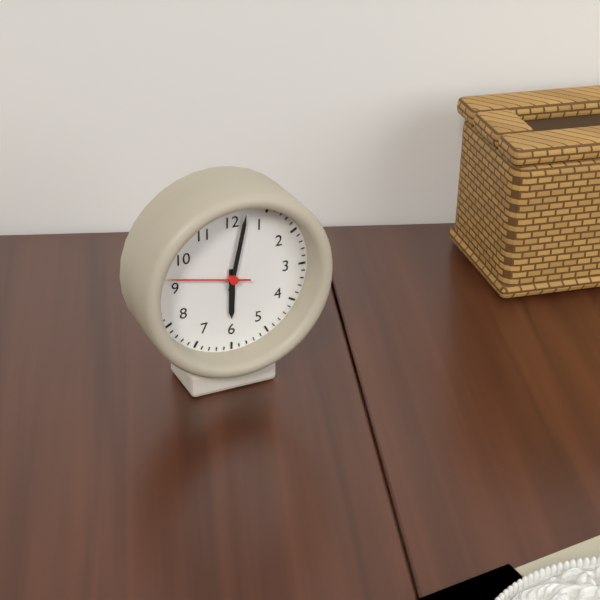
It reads **6:02:47**
